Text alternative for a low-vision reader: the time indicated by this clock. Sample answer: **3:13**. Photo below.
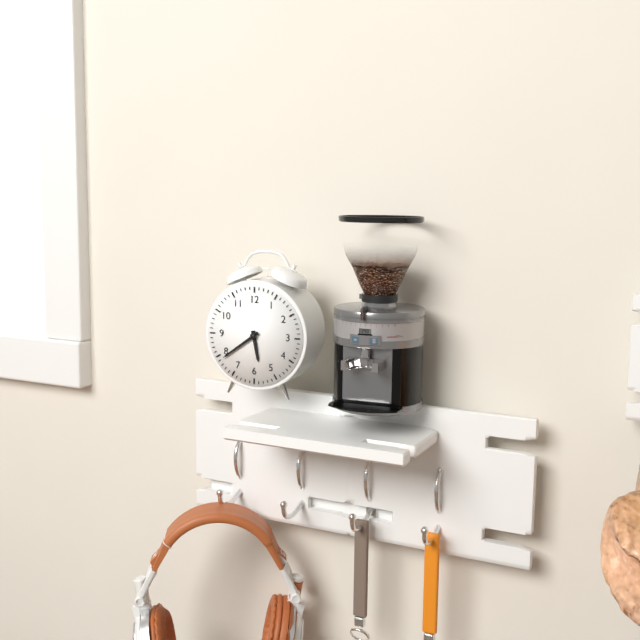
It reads **5:39**
